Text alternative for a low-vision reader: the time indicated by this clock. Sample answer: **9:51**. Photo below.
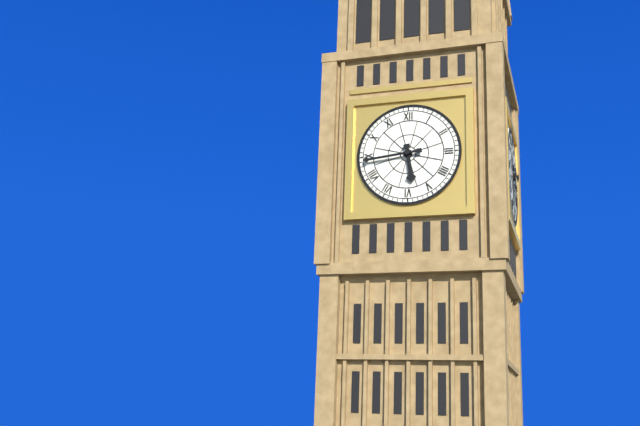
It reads **5:44**
